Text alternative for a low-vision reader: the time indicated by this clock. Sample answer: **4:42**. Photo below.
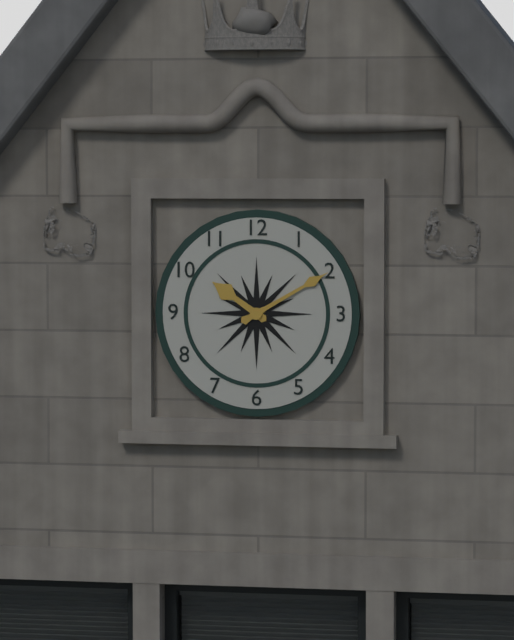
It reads **10:10**
